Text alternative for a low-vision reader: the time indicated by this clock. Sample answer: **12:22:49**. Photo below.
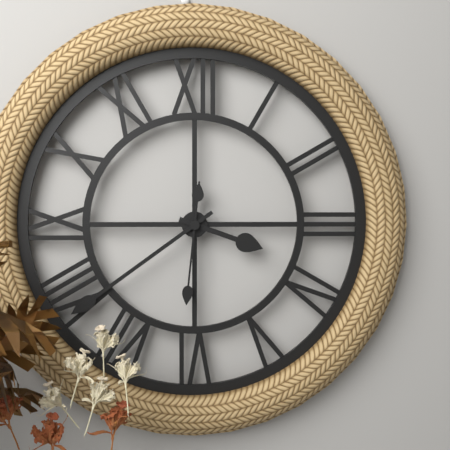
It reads **3:39:31**
